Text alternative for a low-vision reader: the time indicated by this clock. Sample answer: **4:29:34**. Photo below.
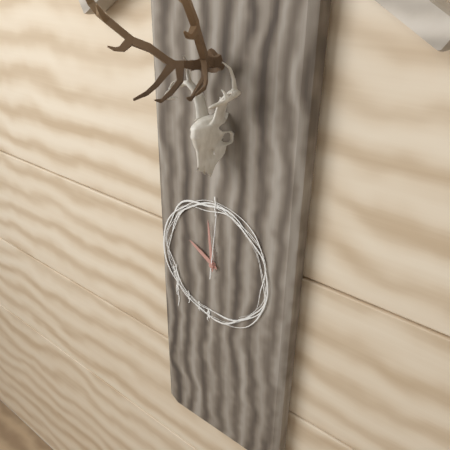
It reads **9:59:01**
